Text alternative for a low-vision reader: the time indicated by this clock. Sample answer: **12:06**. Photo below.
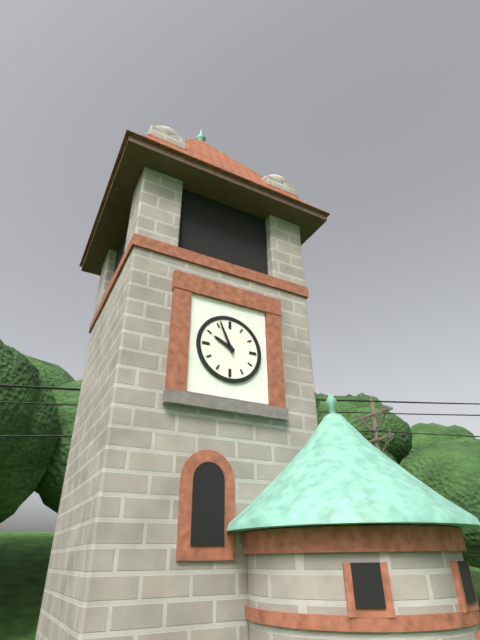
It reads **9:56**
